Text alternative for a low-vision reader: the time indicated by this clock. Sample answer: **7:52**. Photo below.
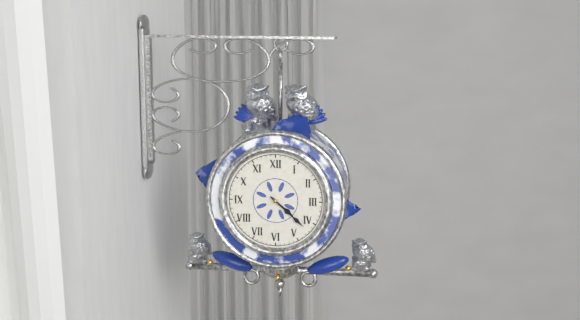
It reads **4:22**
